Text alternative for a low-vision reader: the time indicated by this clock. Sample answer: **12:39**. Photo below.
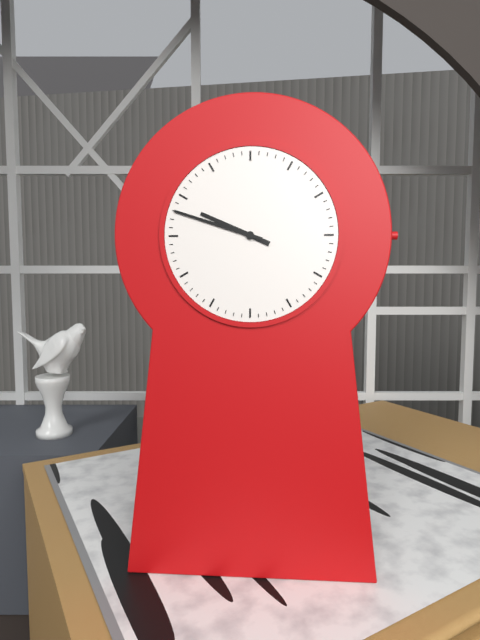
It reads **9:48**
